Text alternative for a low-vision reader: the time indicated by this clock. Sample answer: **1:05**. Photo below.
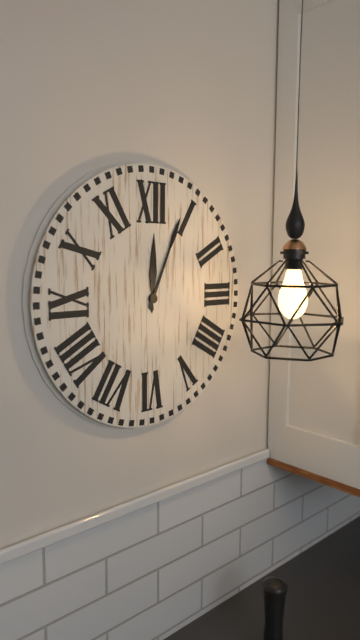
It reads **12:04**
